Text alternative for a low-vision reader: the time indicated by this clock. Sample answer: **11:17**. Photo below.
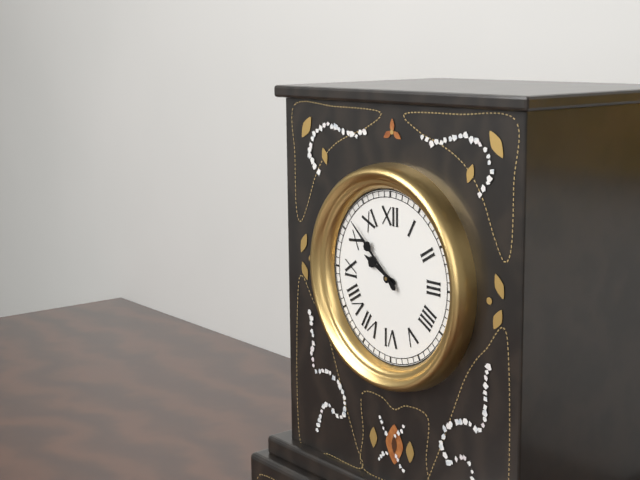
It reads **9:52**
